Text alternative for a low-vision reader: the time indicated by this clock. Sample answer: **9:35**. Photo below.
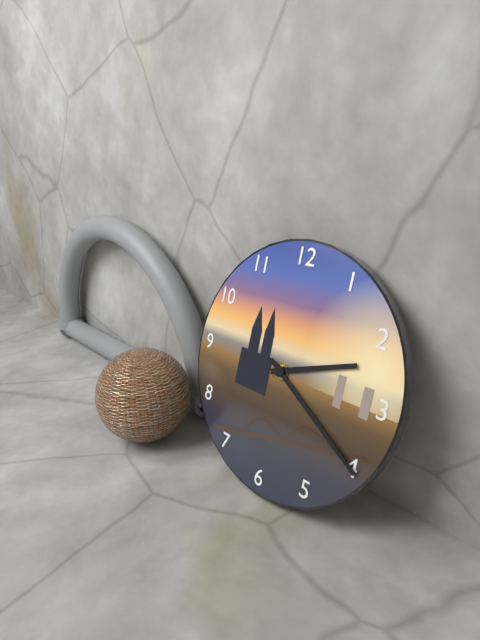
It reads **2:20**
